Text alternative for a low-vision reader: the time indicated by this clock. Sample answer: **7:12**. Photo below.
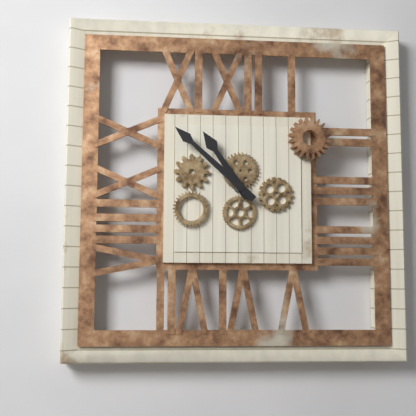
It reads **10:52**
